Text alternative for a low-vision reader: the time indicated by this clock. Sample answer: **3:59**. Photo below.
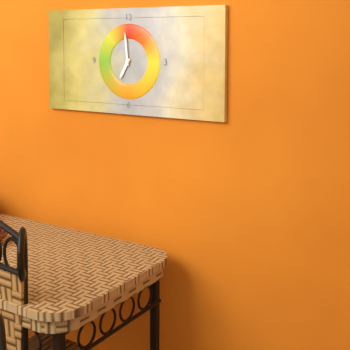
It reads **6:59**
